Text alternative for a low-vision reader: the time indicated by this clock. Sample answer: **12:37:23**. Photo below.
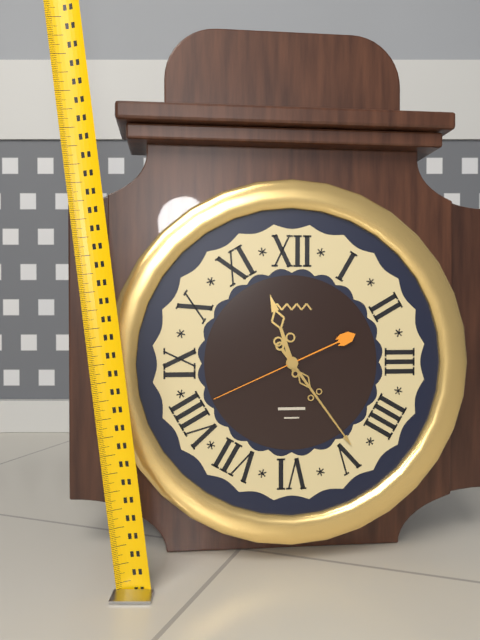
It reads **11:24:41**
